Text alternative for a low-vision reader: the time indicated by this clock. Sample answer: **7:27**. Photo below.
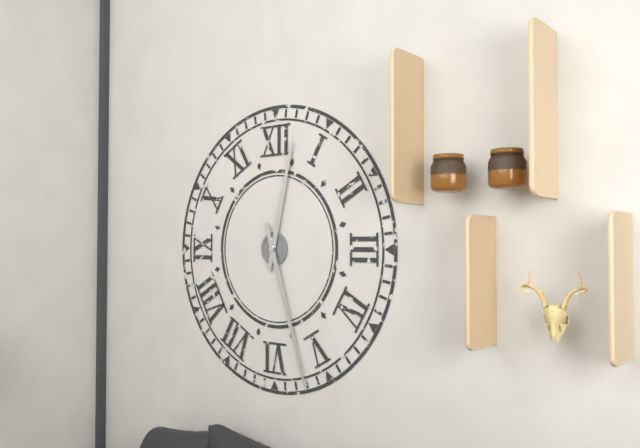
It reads **12:27**
